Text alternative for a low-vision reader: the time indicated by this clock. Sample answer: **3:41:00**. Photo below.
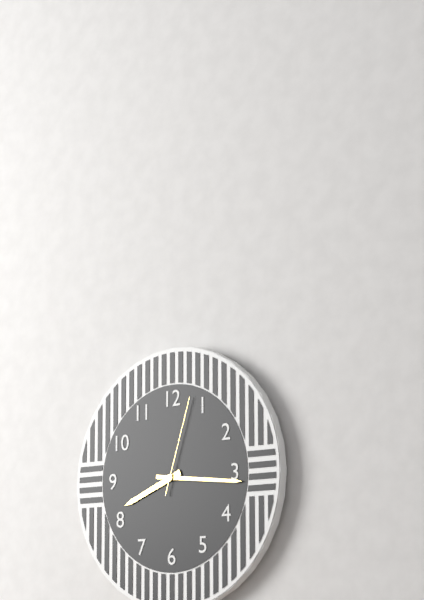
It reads **8:16:03**
